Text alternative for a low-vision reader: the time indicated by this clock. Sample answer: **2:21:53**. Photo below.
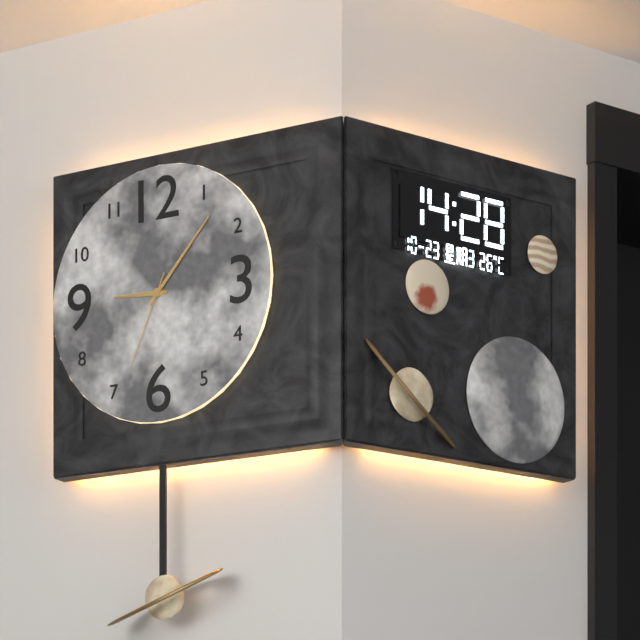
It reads **9:07:34**
